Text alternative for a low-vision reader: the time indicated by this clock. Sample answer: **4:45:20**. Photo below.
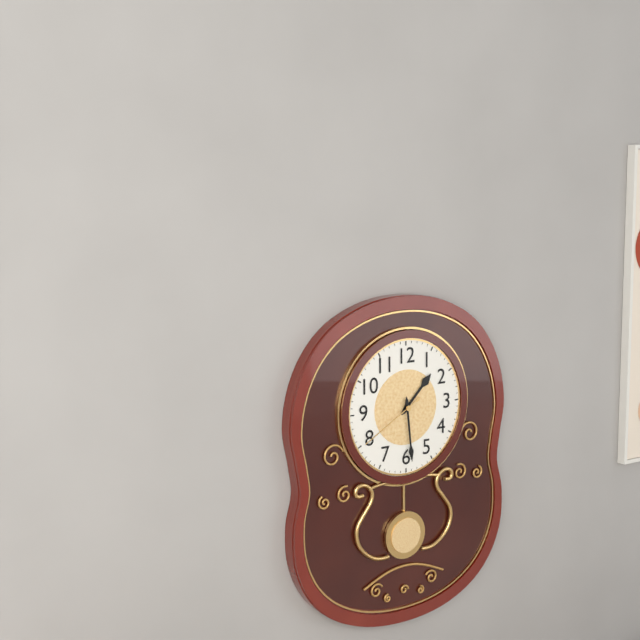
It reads **1:29:40**
